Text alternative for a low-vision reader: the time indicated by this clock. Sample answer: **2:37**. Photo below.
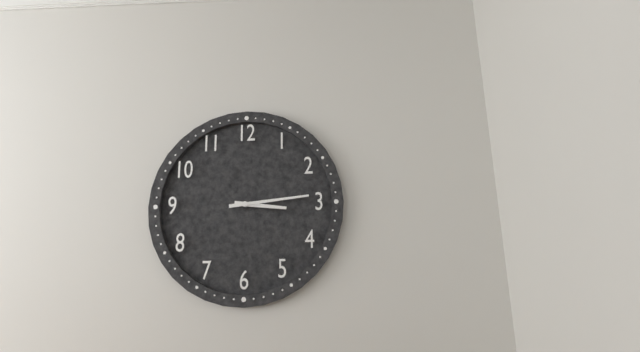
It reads **3:14**
